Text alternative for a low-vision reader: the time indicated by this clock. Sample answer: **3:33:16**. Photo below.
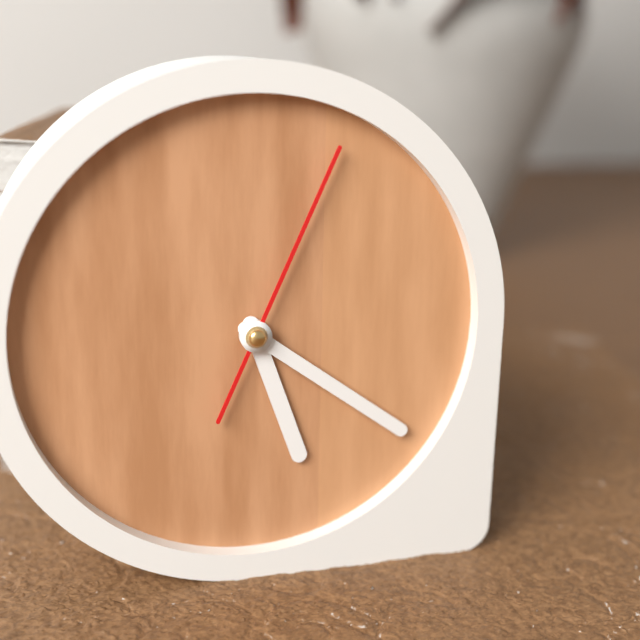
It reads **5:21:04**
